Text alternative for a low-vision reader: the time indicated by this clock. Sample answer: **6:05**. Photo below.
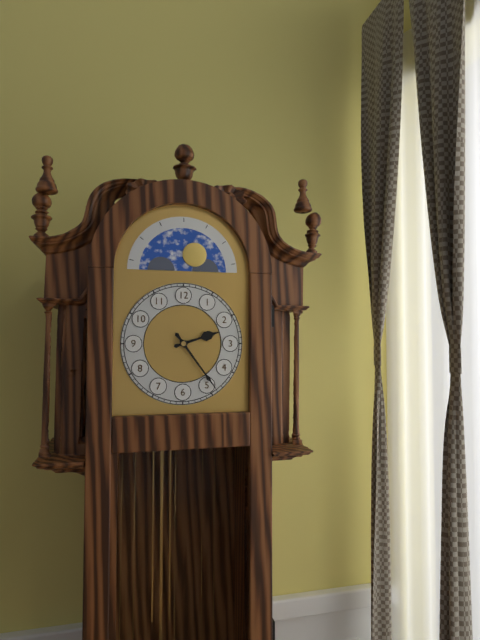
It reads **2:24**
